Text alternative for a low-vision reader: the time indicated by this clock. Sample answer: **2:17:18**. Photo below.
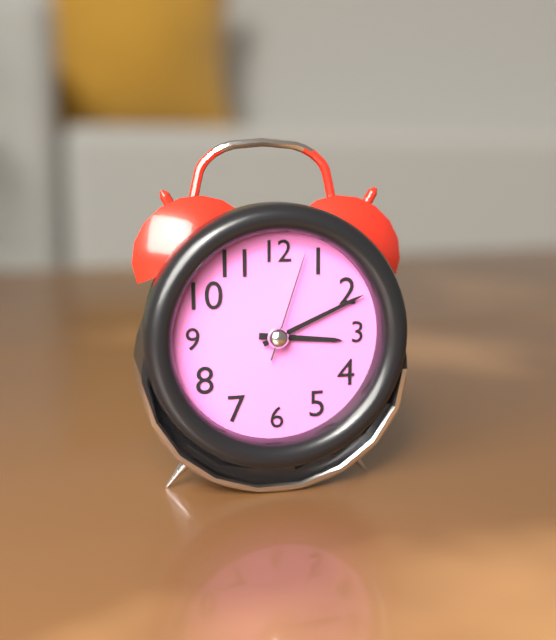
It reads **3:11:03**
